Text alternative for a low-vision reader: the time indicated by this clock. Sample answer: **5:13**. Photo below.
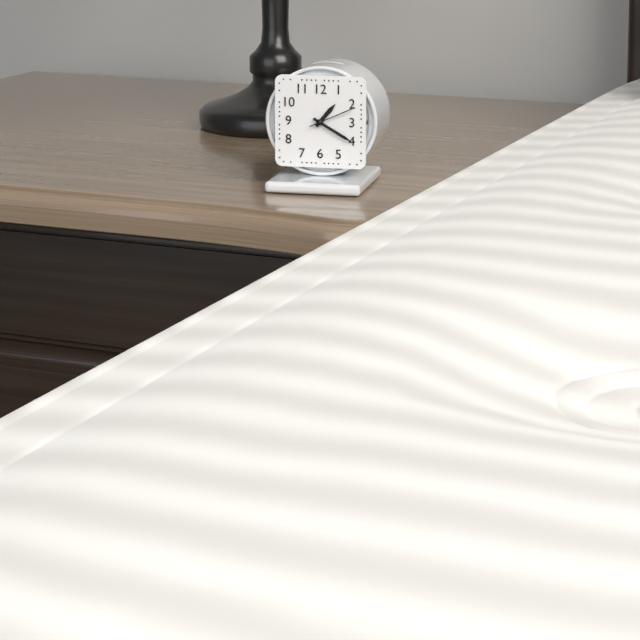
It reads **1:20**
